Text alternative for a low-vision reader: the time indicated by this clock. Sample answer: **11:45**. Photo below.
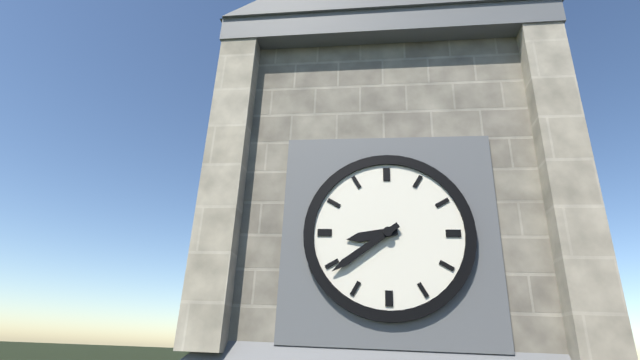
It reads **8:39**
